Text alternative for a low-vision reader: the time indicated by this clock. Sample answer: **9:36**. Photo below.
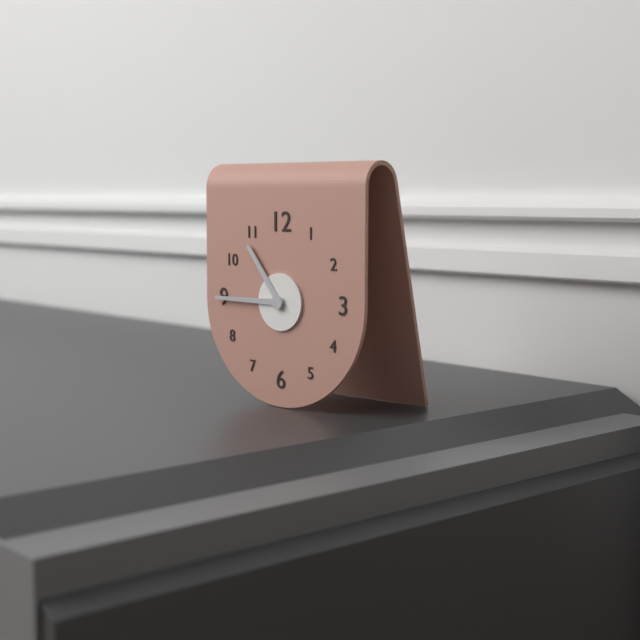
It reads **10:45**
